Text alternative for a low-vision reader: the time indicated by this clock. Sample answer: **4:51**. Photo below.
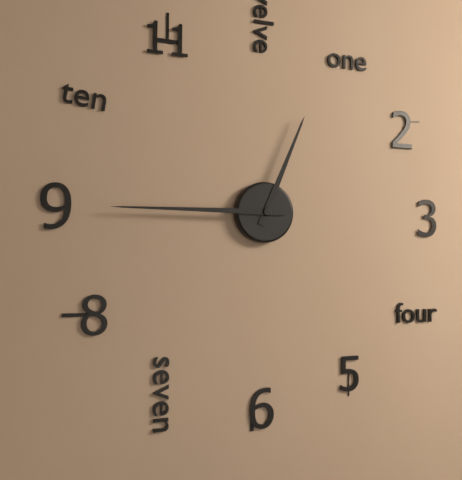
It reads **12:45**
